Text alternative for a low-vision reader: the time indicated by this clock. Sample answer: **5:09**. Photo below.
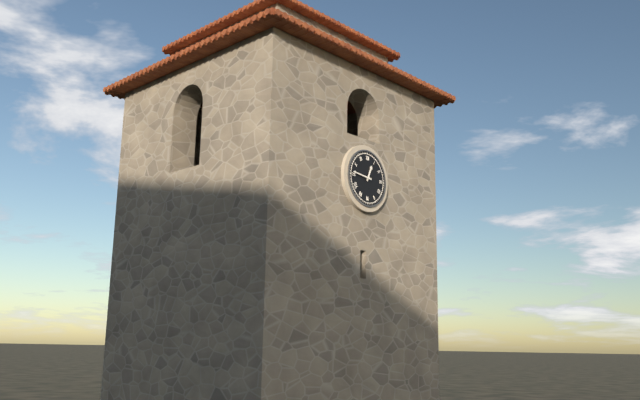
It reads **12:46**
